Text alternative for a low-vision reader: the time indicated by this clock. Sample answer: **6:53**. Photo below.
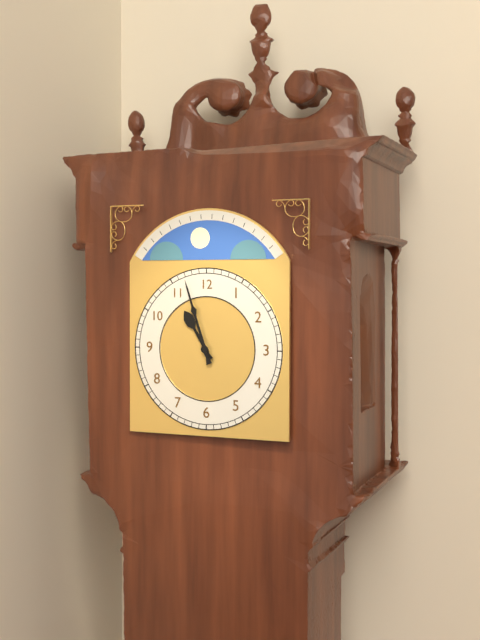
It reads **10:57**
